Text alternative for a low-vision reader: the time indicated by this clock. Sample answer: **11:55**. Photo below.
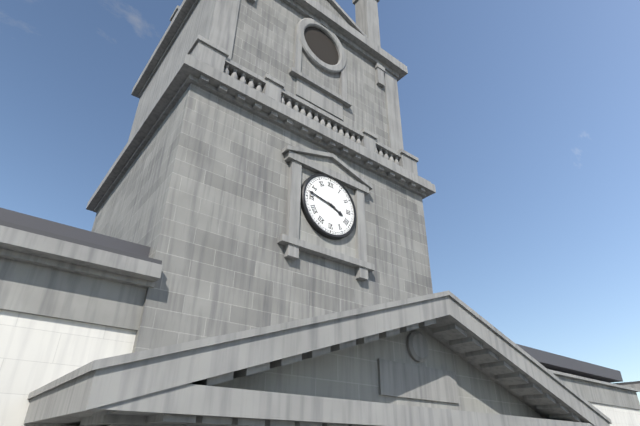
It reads **3:47**
